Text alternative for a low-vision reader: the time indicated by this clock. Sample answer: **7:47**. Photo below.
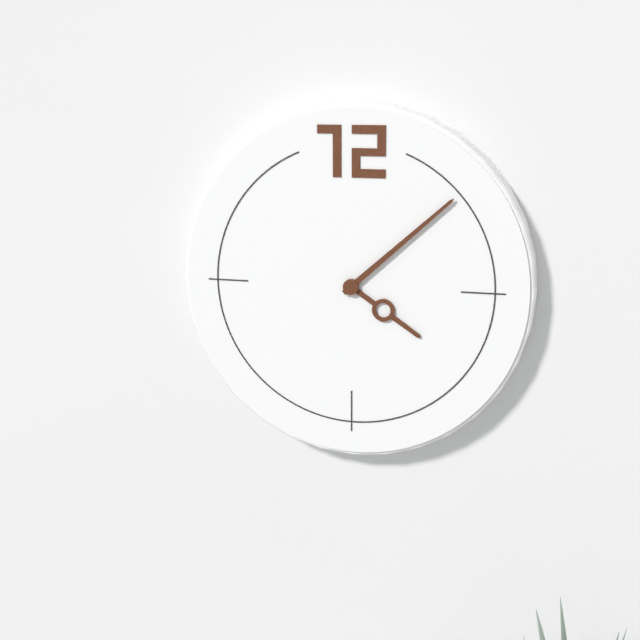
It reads **4:08**
